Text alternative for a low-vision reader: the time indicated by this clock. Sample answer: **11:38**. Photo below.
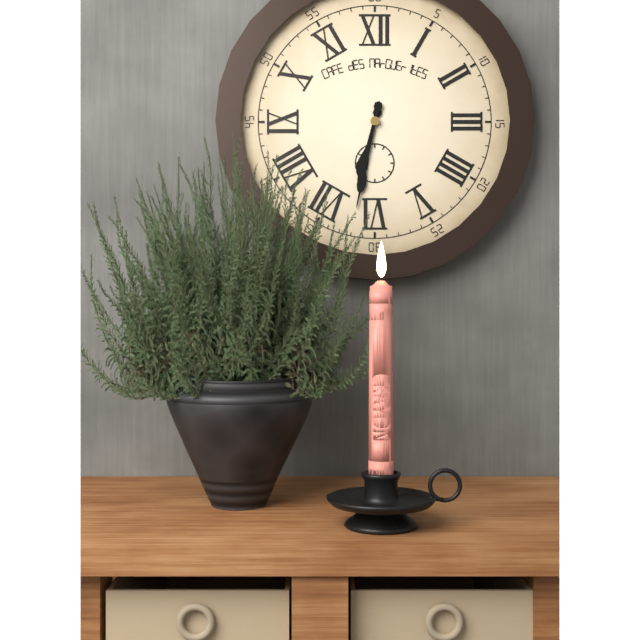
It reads **6:32**
